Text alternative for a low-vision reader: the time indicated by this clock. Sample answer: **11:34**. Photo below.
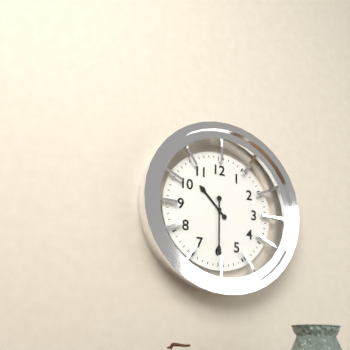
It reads **10:30**
